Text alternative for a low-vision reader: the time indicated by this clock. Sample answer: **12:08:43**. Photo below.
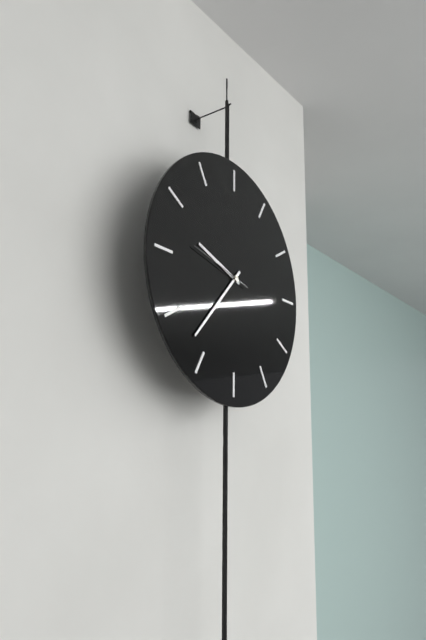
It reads **9:37:47**
